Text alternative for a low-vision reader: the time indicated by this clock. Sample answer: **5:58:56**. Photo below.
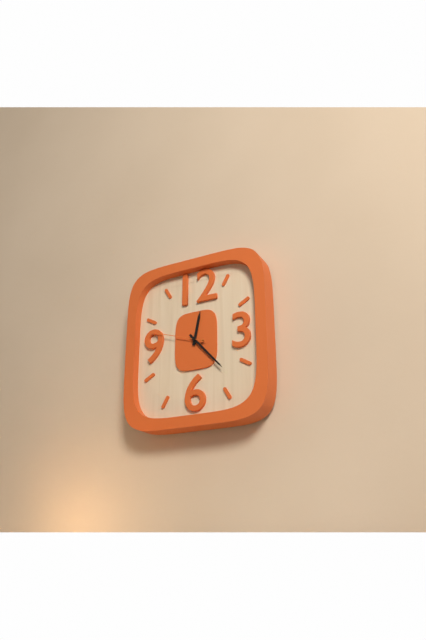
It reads **12:23:48**
